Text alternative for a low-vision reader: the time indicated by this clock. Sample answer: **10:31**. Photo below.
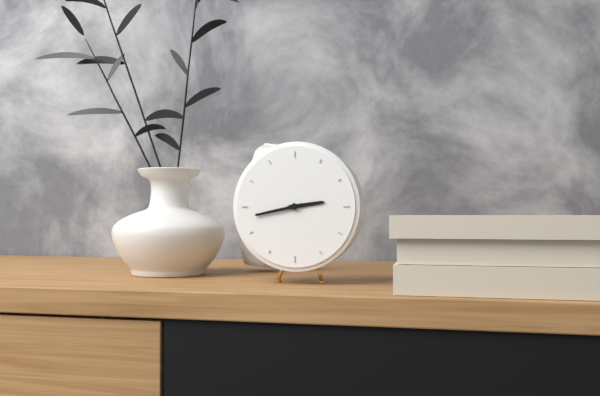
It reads **2:43**
